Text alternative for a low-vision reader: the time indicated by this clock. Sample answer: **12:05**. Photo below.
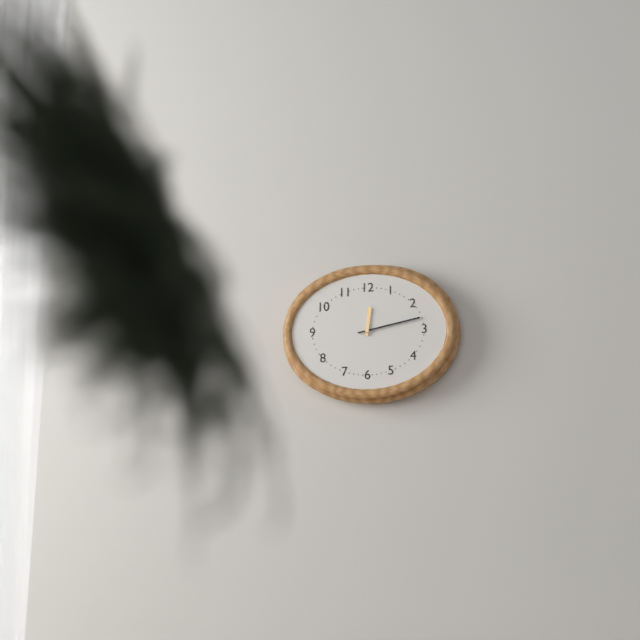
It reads **12:13**
